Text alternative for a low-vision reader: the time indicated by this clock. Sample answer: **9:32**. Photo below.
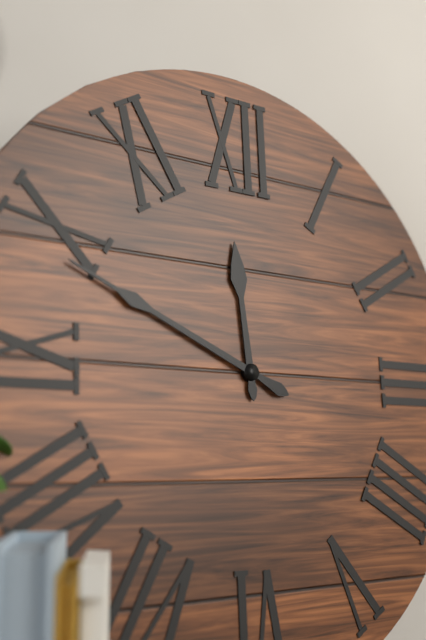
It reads **11:49**
